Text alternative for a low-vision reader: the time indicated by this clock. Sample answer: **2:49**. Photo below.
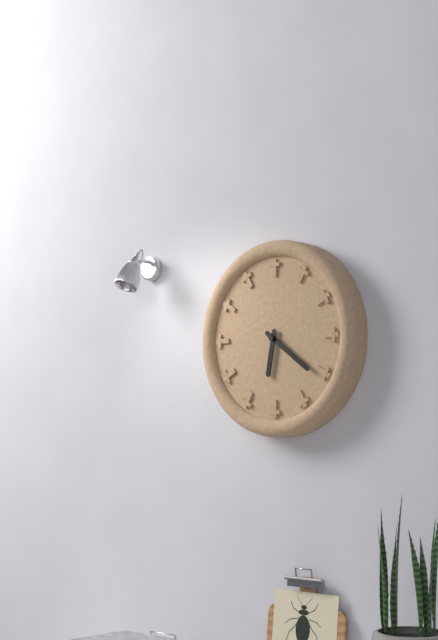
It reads **6:21**
